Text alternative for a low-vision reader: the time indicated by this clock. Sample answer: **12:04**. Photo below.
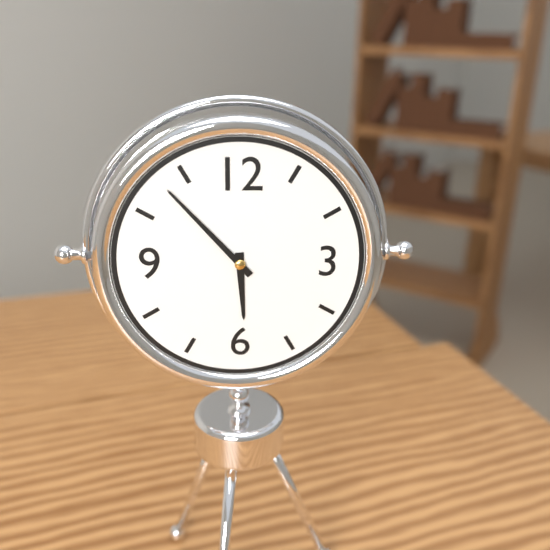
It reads **5:53**
